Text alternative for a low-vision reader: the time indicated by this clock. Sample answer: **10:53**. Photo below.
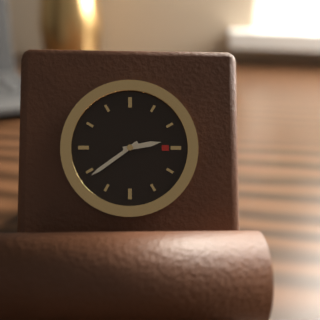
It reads **2:39**
